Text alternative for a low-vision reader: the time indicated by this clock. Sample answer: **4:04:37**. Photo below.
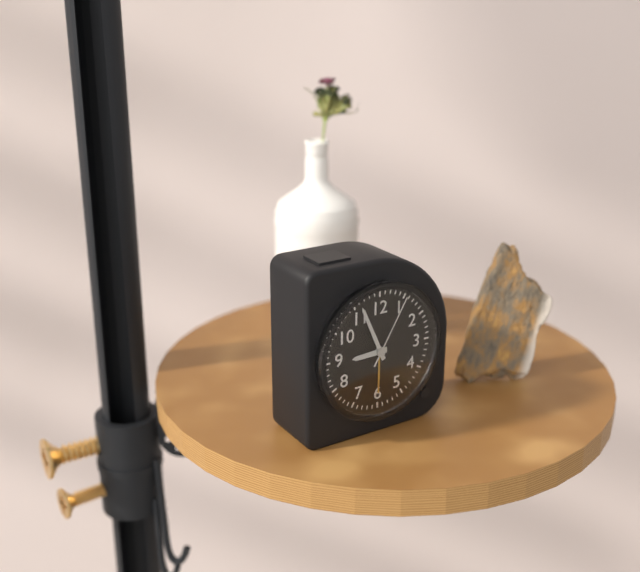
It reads **8:56:05**
